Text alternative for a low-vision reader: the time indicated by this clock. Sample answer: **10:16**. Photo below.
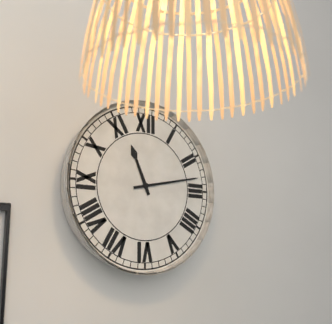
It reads **11:13**
